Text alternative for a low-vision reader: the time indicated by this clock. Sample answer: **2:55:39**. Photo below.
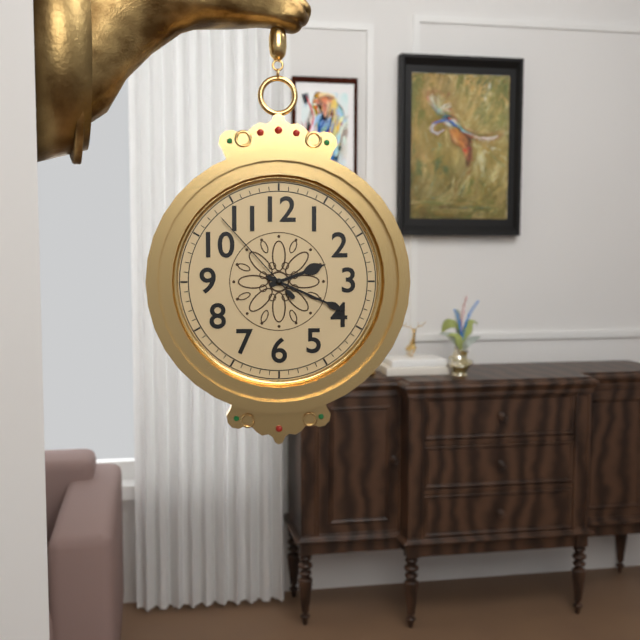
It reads **2:19:53**
